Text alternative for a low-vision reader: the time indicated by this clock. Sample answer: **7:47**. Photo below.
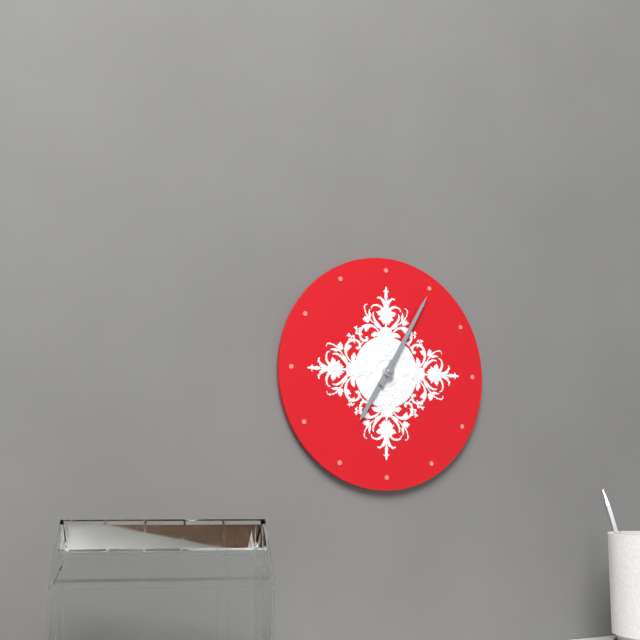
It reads **7:05**
